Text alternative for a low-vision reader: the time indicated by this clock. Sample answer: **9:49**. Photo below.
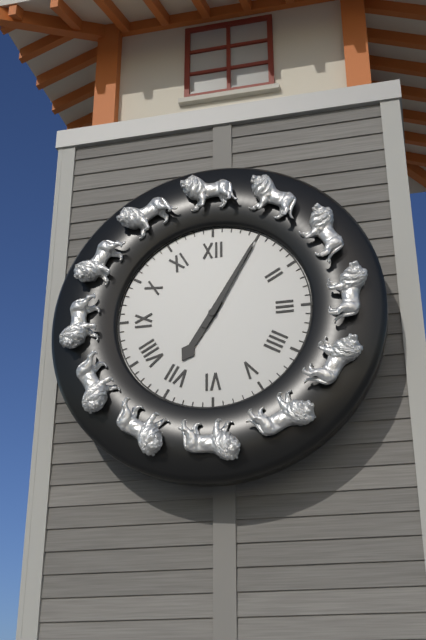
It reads **7:05**
